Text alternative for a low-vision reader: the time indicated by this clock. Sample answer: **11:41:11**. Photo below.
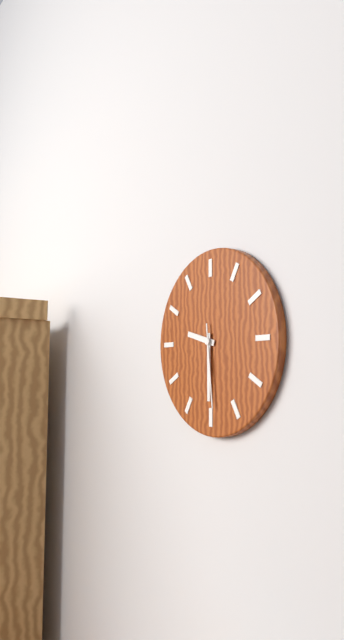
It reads **9:30:29**
